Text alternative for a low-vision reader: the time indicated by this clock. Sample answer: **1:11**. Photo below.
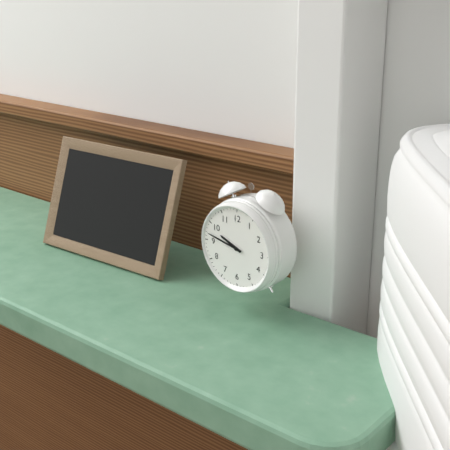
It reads **9:47**
